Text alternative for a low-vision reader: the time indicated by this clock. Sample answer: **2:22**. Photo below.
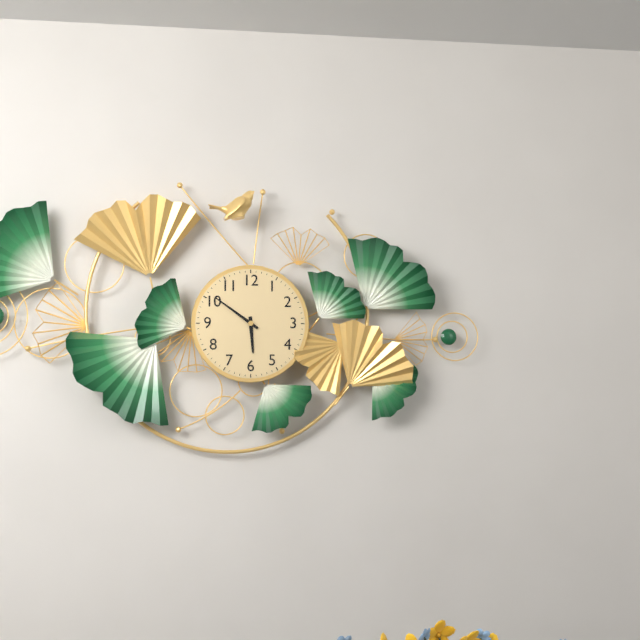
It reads **5:51**
